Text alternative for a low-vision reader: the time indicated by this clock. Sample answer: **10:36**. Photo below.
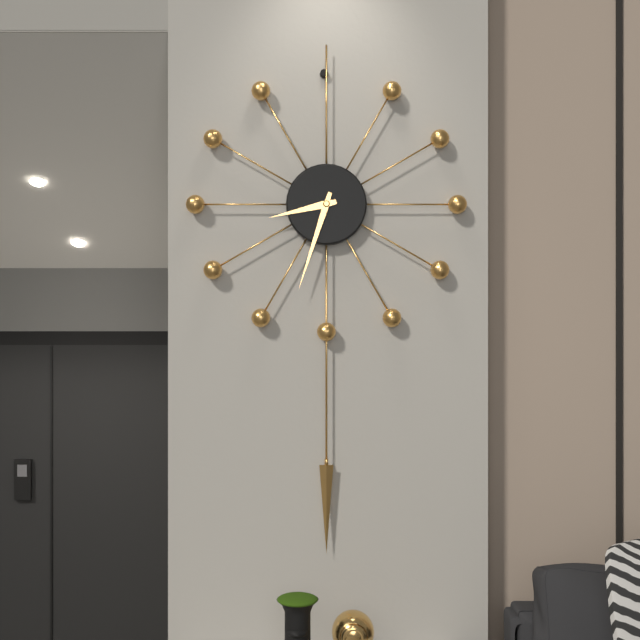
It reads **8:33**
